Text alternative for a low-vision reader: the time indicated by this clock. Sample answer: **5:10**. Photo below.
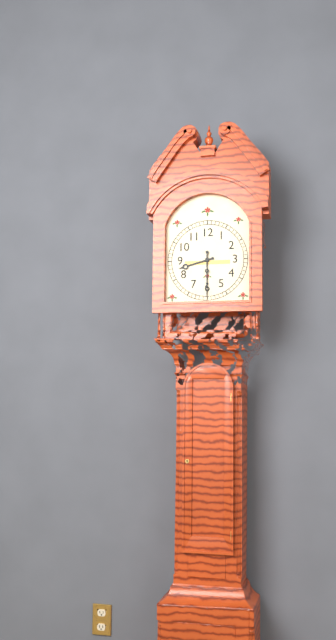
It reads **8:30**
